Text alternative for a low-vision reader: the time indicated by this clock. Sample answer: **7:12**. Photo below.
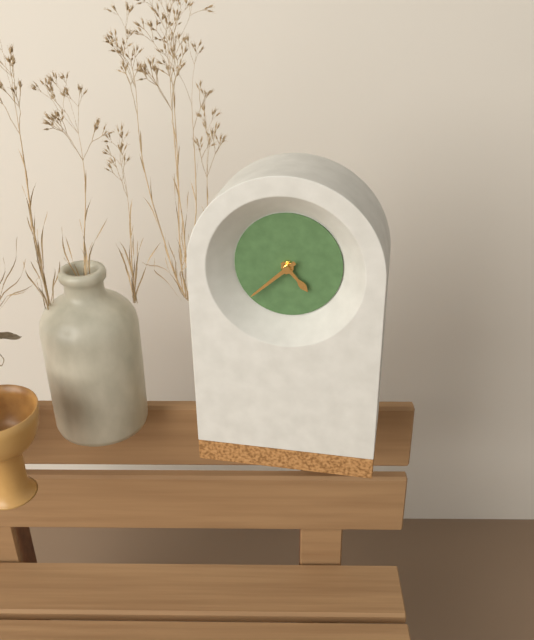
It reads **4:38**
